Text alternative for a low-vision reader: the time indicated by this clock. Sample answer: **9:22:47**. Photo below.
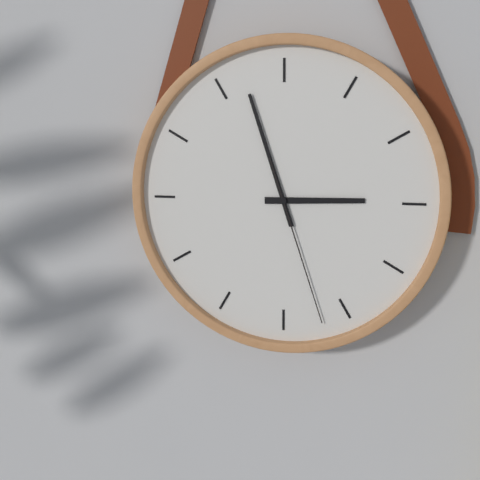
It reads **2:57:27**
